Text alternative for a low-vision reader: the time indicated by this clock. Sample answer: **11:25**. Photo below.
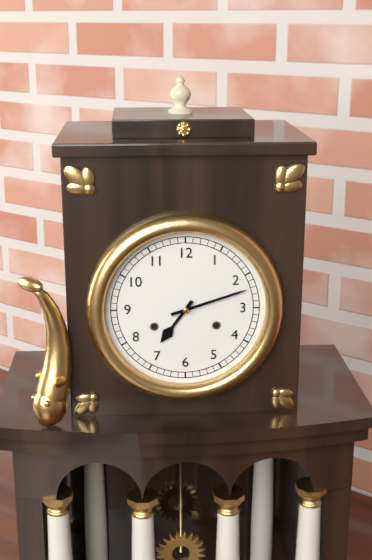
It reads **7:12**
